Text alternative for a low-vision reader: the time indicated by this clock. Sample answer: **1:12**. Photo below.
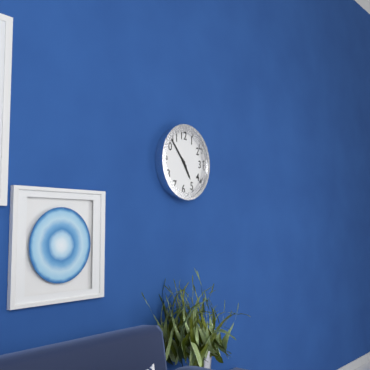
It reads **4:53**
